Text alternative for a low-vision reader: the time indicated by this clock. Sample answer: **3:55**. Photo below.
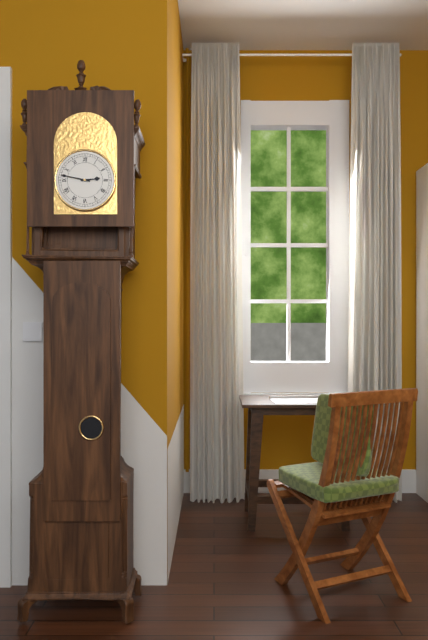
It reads **2:47**
